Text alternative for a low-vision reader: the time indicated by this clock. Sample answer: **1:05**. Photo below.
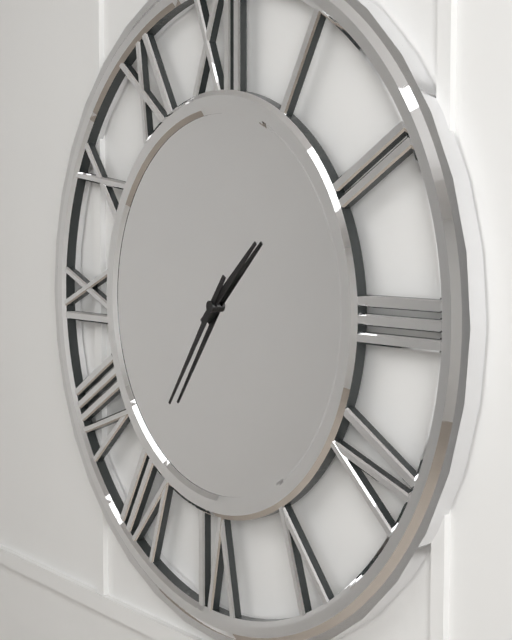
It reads **1:36**
